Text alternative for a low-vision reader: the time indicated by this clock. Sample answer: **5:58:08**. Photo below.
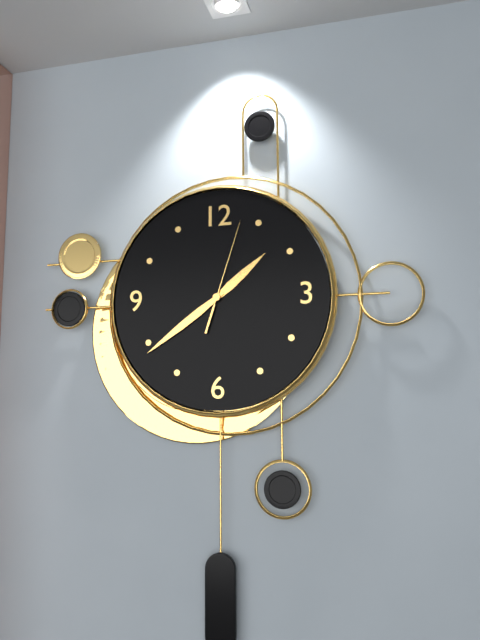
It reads **1:39:03**
